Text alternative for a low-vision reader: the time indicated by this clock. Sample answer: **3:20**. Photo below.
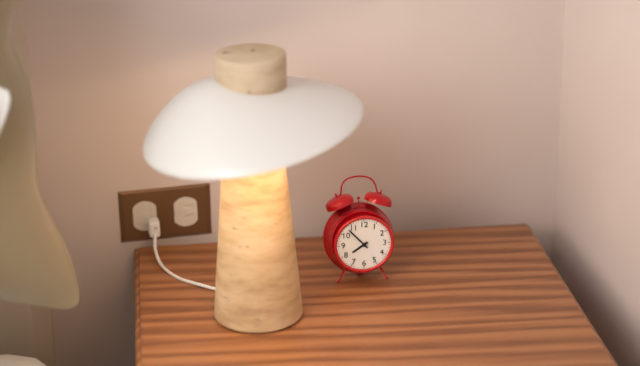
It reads **7:53**
